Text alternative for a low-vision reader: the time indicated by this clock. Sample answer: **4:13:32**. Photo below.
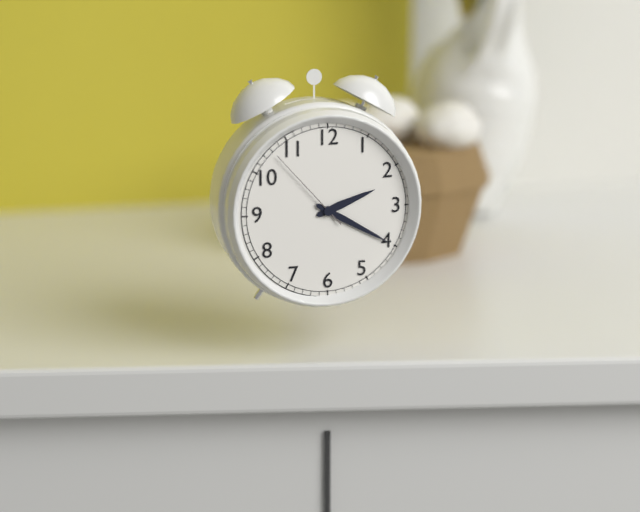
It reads **2:20:53**
